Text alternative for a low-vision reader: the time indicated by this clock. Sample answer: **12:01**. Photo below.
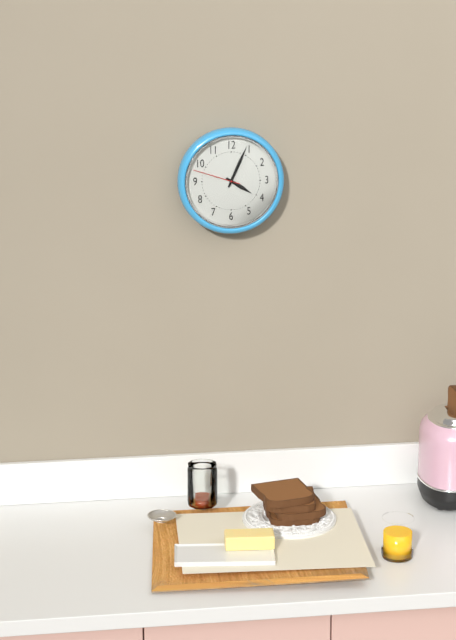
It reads **4:04**
